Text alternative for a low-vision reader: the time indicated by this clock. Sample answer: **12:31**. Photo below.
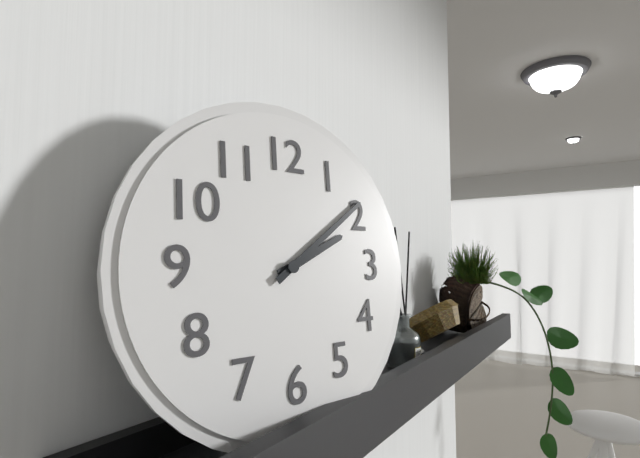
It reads **2:09**
